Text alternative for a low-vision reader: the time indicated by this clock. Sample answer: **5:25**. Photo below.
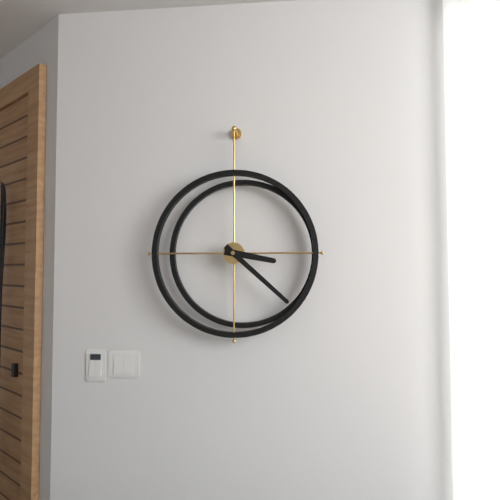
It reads **3:22**
